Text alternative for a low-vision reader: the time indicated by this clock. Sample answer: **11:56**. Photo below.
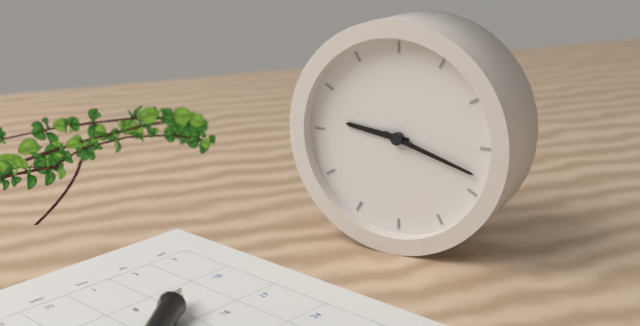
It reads **9:18**
